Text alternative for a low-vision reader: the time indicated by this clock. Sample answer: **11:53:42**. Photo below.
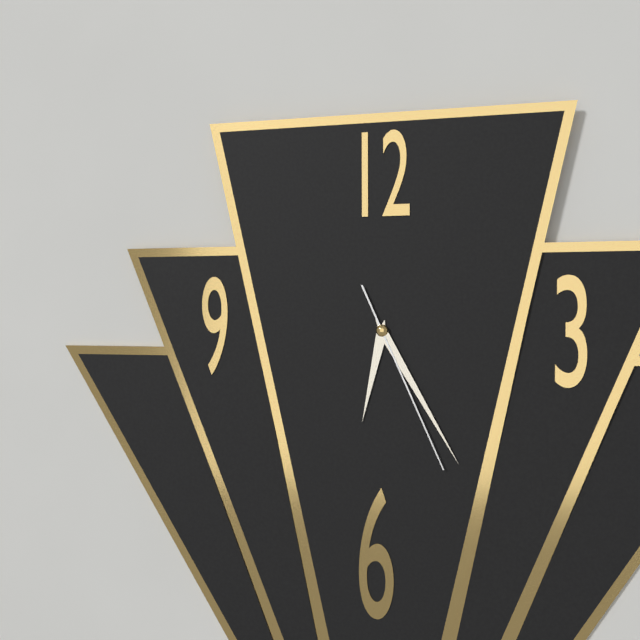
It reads **6:25:26**
